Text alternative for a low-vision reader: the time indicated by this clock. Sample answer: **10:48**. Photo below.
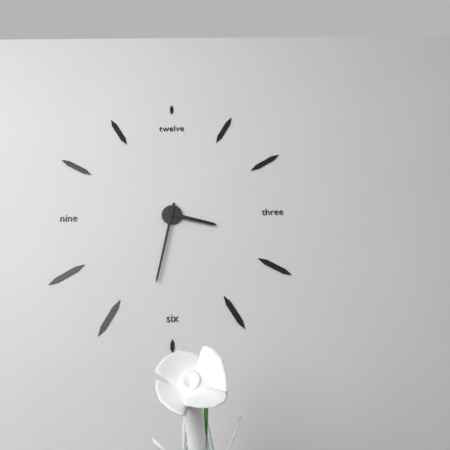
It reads **3:32**
